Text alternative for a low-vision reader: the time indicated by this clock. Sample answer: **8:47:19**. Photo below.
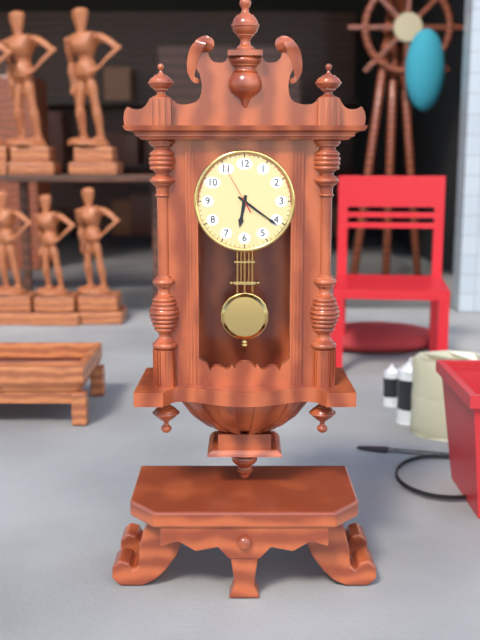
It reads **6:21:55**
